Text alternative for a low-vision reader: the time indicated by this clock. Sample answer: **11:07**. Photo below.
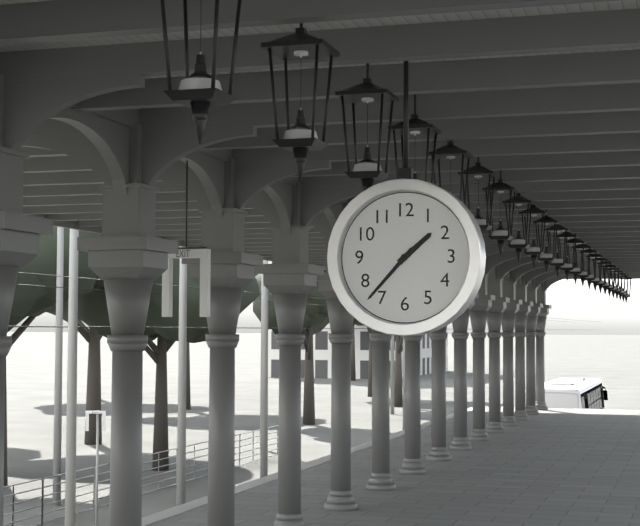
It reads **1:37**
